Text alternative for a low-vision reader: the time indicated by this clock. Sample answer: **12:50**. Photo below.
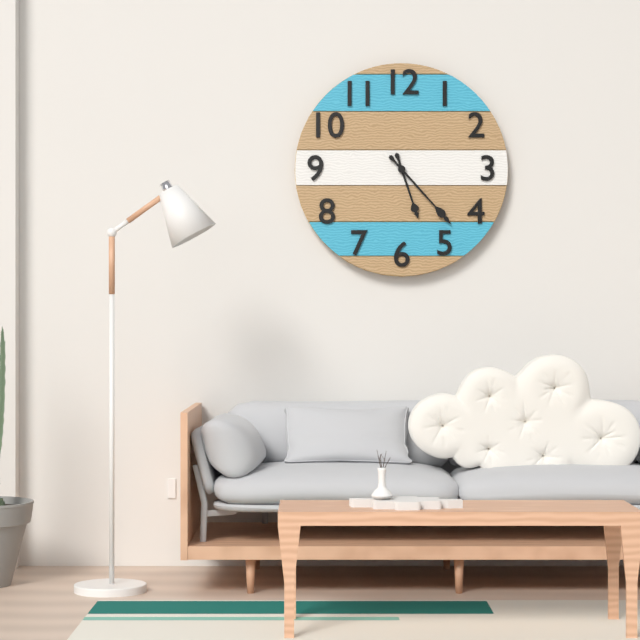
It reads **5:23**
